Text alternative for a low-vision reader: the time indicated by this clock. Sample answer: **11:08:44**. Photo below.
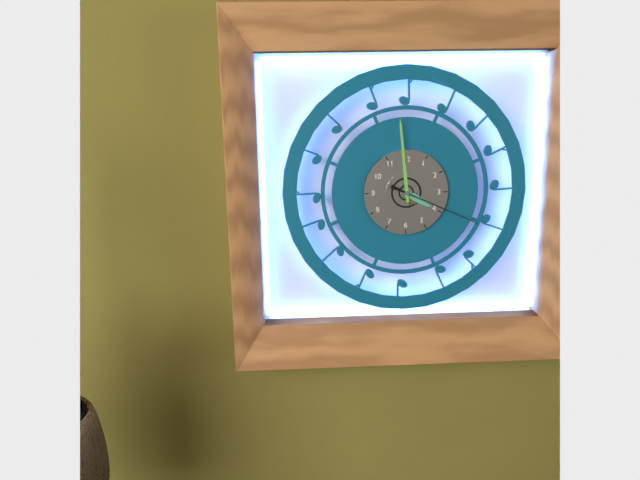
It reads **3:59:19**
